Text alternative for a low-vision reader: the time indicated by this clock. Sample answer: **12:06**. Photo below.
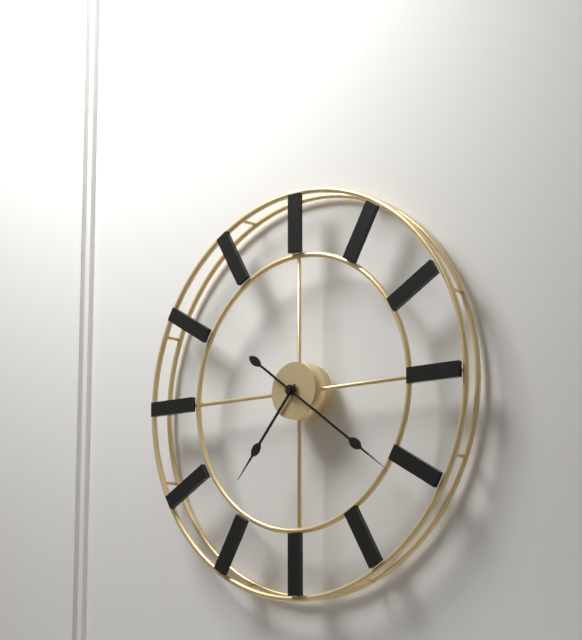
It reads **7:21**
